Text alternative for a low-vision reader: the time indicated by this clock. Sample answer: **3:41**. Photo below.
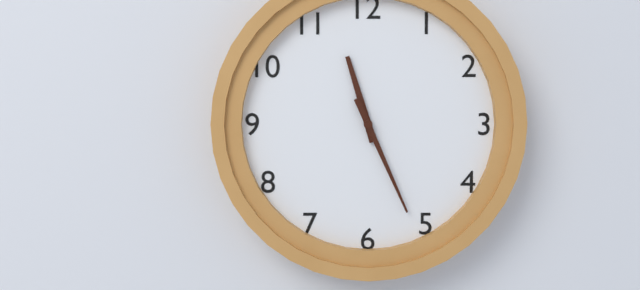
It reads **11:26**
